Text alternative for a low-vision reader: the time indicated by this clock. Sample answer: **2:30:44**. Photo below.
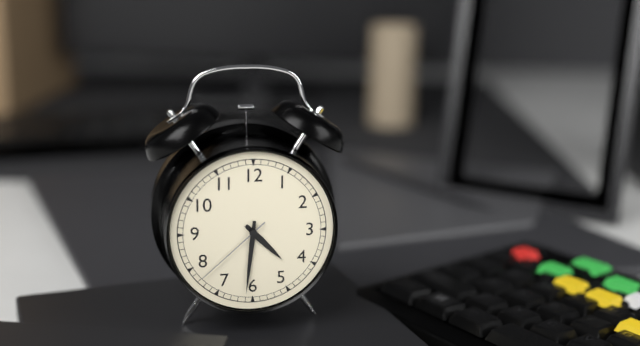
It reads **4:31:38**
